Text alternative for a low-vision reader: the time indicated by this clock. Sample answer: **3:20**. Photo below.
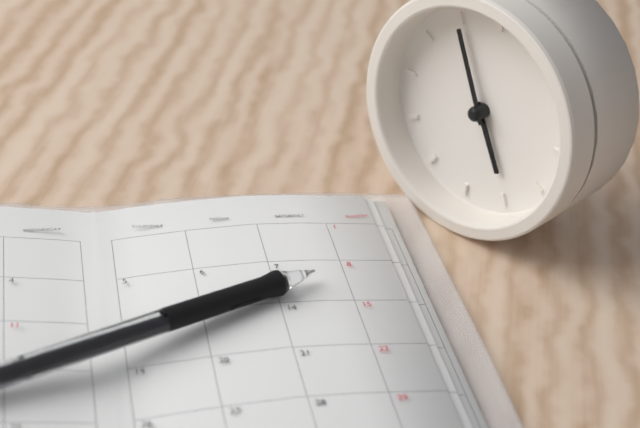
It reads **4:55**
